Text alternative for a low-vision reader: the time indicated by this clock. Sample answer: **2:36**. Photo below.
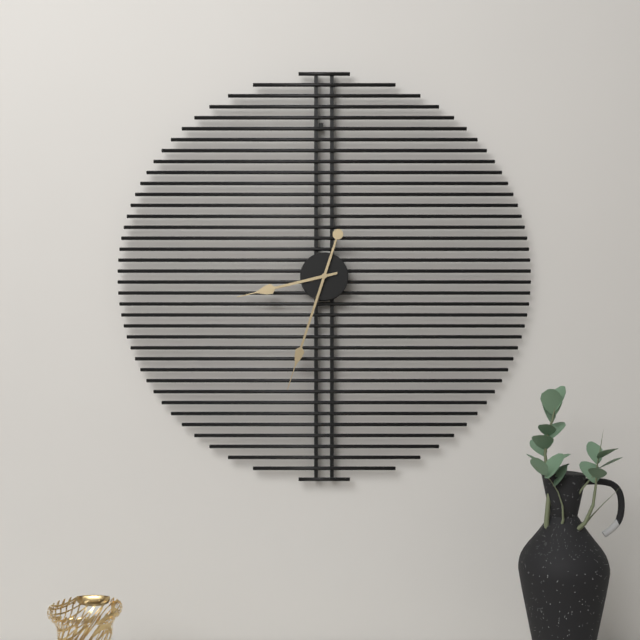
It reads **8:33**
